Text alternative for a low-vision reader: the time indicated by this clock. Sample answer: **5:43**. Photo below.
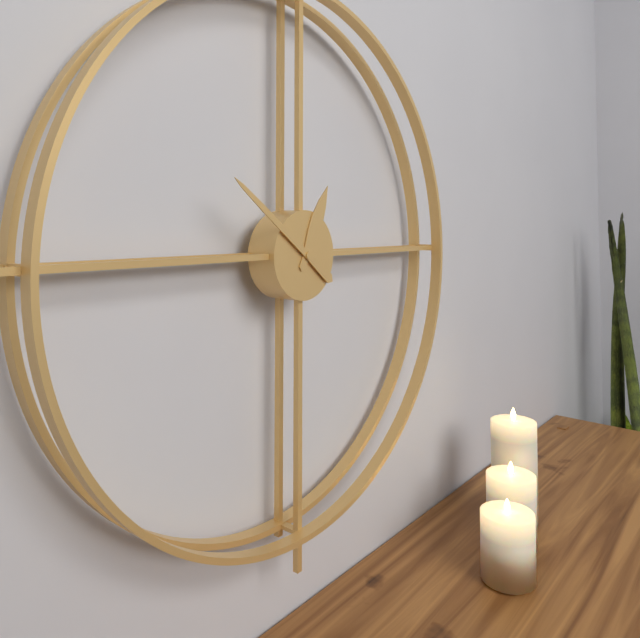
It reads **12:51**
